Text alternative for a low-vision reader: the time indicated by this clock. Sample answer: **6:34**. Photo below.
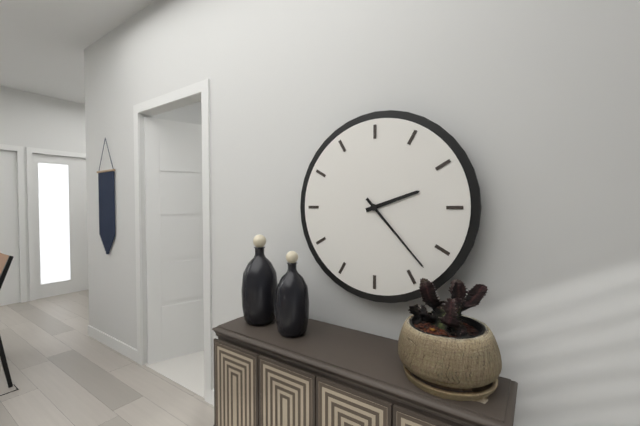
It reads **2:23**
